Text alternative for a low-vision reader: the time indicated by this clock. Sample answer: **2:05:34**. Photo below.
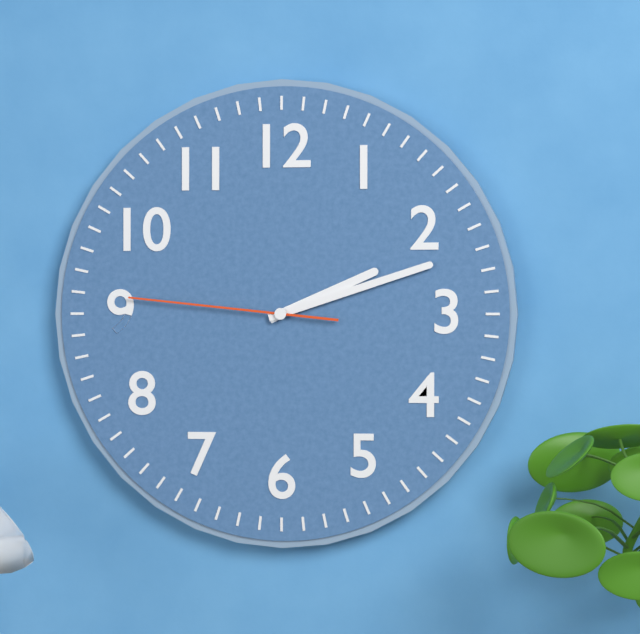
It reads **2:12:46**
